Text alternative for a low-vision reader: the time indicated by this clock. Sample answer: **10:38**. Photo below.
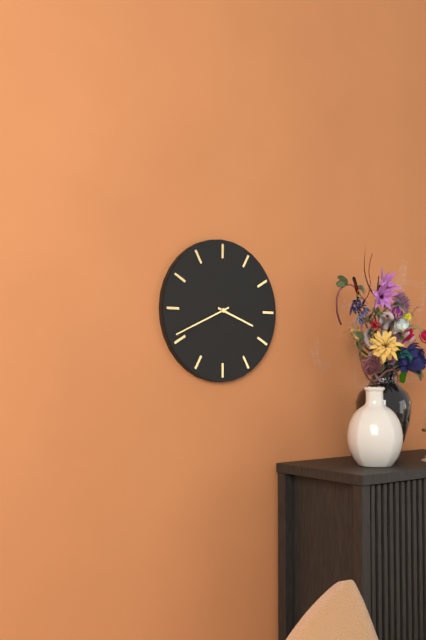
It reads **3:41**
